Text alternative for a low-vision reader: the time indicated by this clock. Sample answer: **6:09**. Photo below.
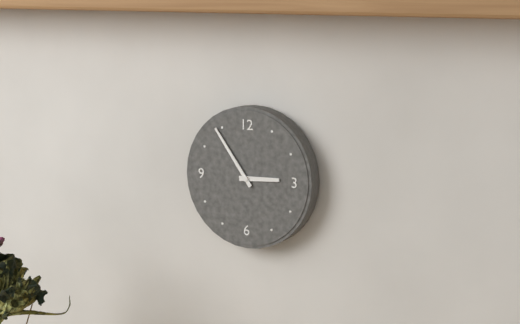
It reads **2:54**
